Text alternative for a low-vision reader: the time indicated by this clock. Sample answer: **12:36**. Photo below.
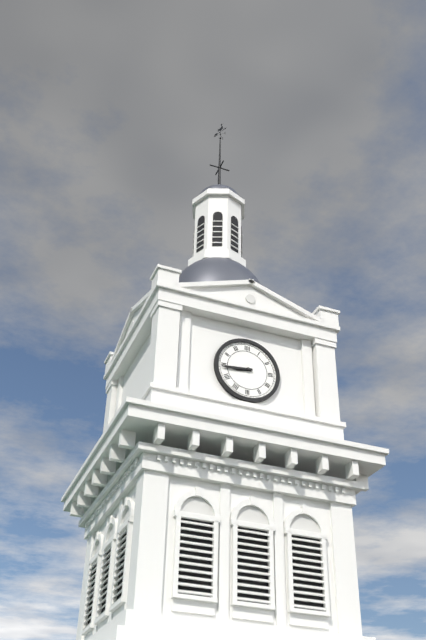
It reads **8:44**
